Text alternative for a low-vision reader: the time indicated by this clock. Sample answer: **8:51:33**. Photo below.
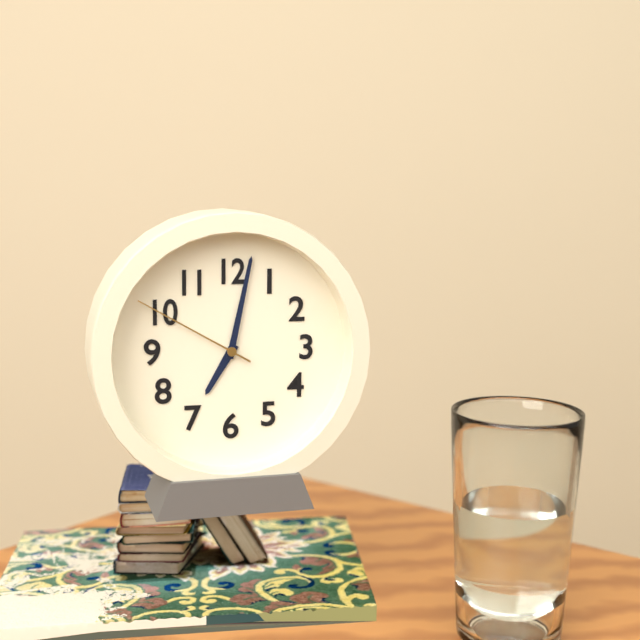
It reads **7:02:50**
